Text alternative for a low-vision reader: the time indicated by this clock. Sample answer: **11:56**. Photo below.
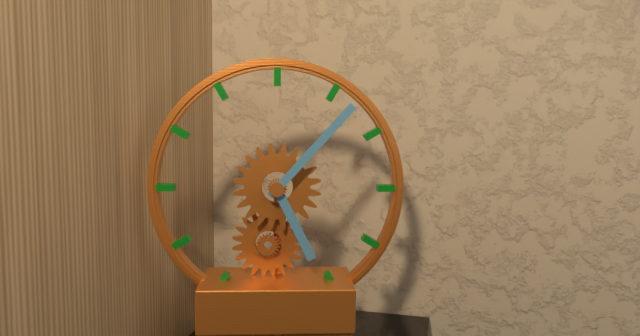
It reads **5:07**
